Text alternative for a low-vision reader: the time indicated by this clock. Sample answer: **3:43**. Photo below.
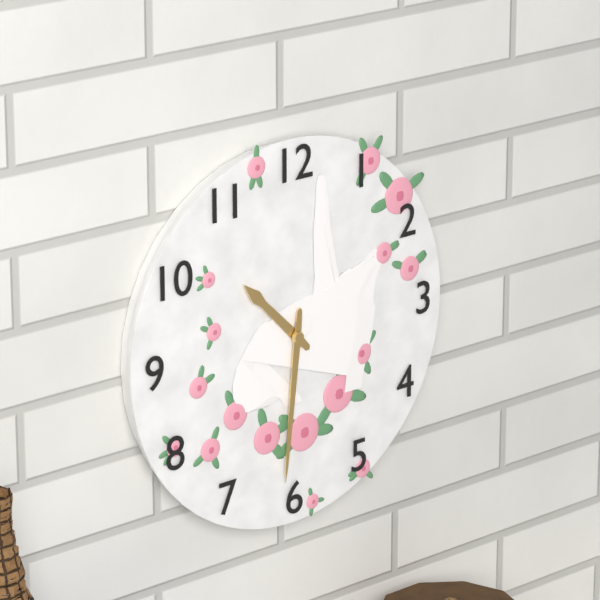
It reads **10:31**
